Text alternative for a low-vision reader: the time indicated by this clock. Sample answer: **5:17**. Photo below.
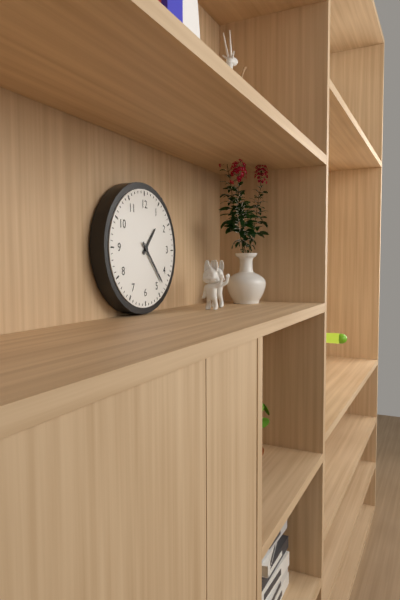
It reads **1:23**
